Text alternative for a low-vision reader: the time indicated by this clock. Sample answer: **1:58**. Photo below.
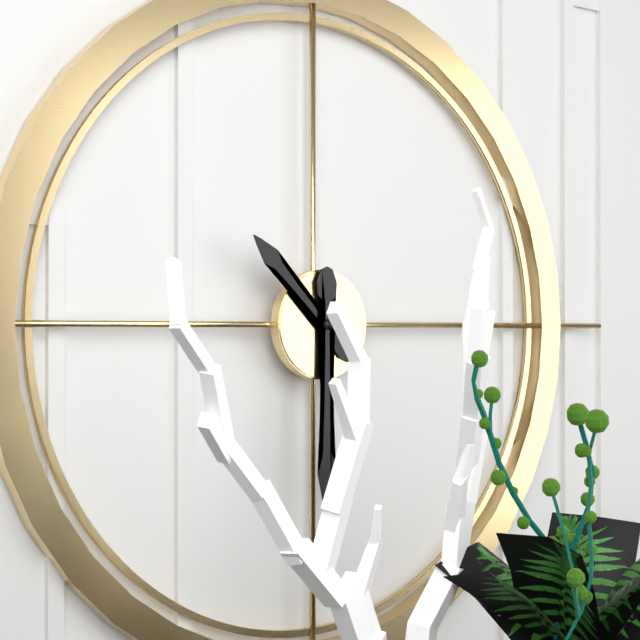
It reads **10:30**
